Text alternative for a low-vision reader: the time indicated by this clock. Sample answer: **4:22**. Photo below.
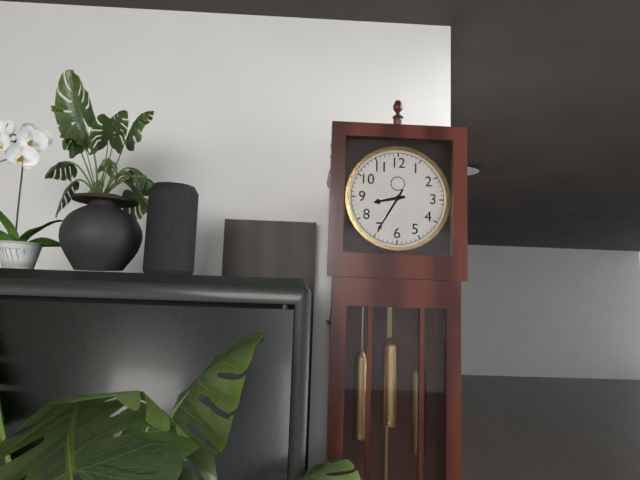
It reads **8:35**
